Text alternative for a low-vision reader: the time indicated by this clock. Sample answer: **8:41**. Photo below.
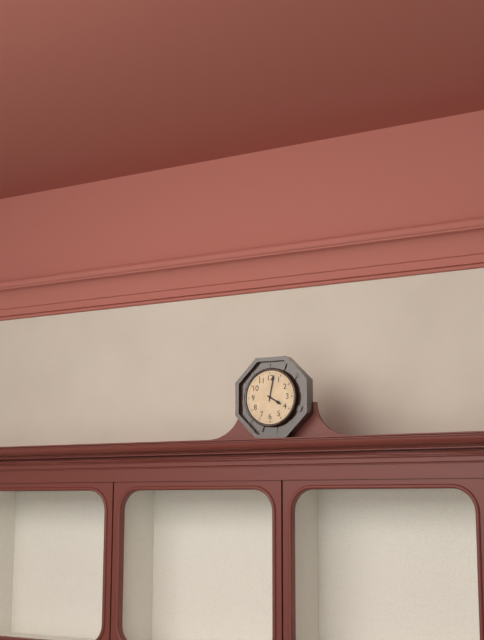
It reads **4:02**
